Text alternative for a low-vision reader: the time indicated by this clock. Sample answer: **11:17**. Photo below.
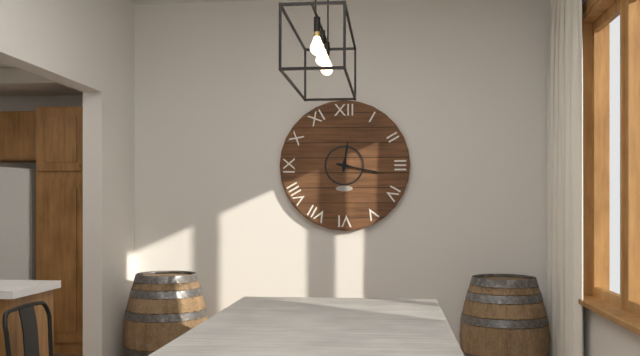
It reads **12:17**
